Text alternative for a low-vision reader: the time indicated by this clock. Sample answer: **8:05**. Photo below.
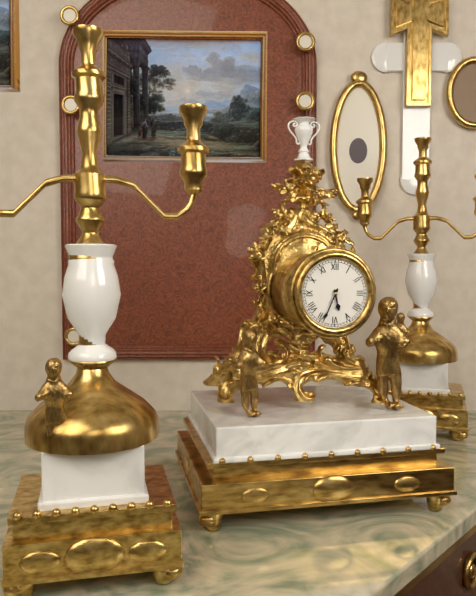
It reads **5:34**
